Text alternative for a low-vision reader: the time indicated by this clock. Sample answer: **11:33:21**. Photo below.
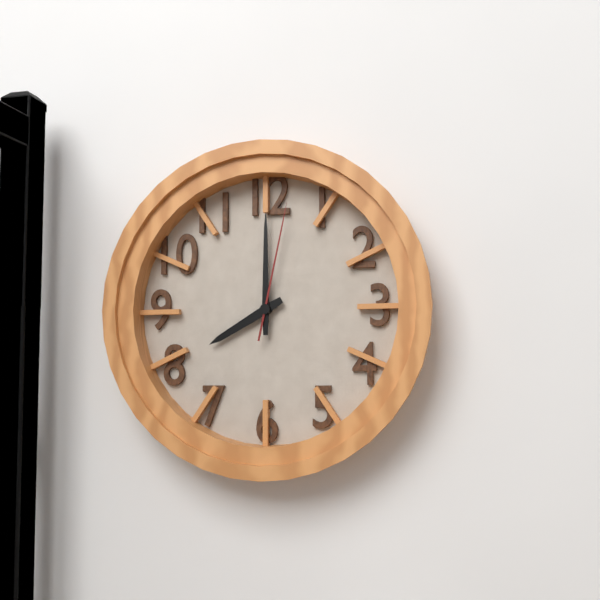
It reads **8:00:02**
